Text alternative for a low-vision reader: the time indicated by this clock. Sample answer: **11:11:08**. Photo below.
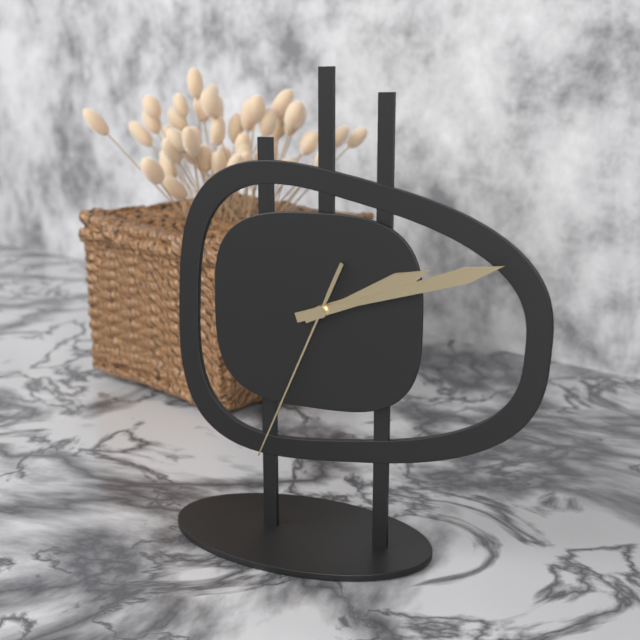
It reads **2:12:34**
